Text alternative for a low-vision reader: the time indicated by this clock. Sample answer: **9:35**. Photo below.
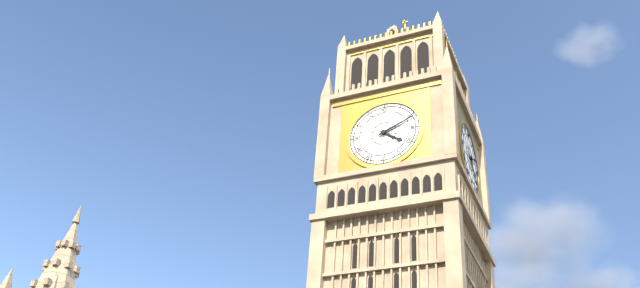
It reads **4:11**
